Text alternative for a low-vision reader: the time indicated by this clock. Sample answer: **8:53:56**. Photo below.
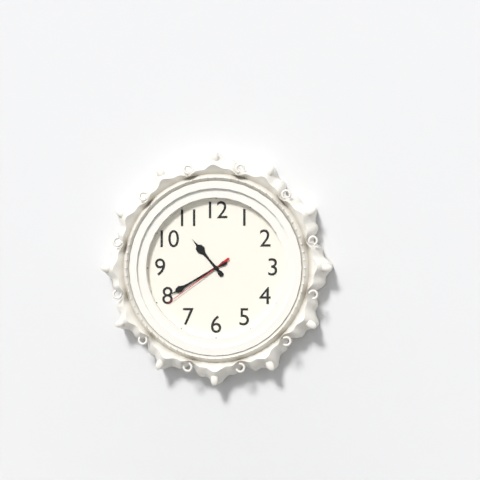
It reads **10:40:39**
